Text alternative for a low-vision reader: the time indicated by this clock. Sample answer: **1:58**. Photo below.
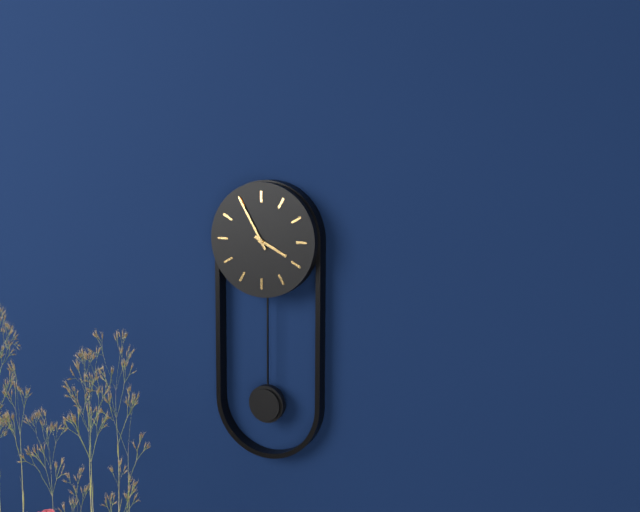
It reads **3:55**
